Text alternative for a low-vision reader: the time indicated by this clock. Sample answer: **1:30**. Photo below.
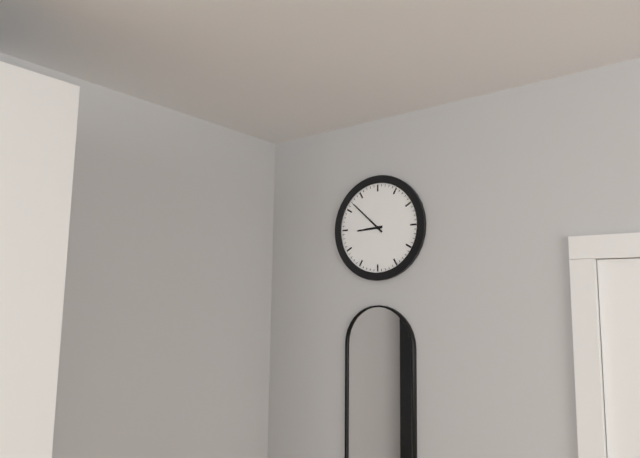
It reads **8:52**
